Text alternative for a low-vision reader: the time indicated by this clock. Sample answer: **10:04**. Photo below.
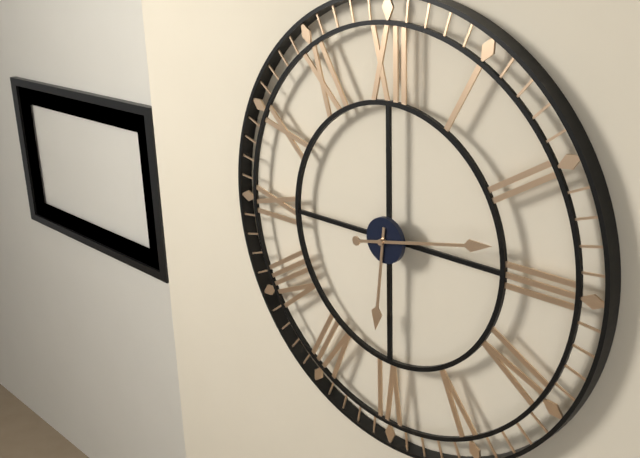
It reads **6:13**
